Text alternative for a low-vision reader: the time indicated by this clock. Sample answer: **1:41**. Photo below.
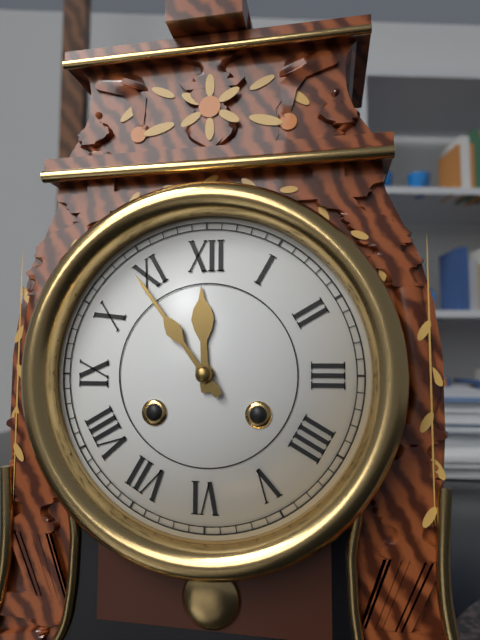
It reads **11:54**
